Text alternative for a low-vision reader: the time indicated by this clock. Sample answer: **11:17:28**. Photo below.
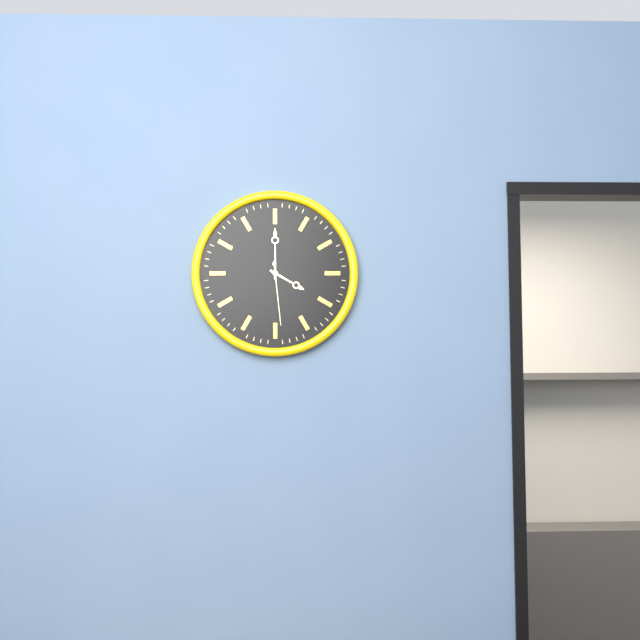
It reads **4:00:29**
